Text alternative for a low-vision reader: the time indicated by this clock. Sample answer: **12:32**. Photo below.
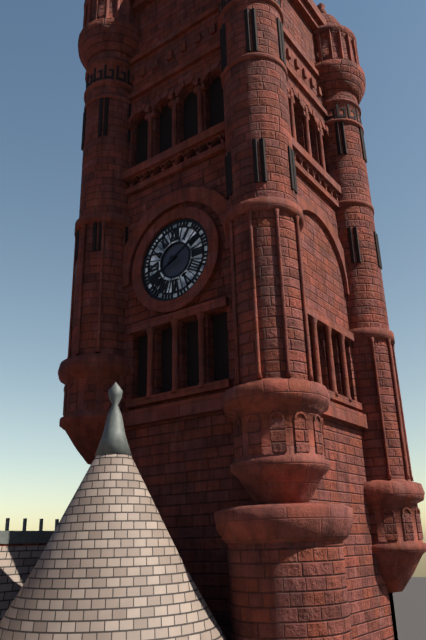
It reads **8:10**
